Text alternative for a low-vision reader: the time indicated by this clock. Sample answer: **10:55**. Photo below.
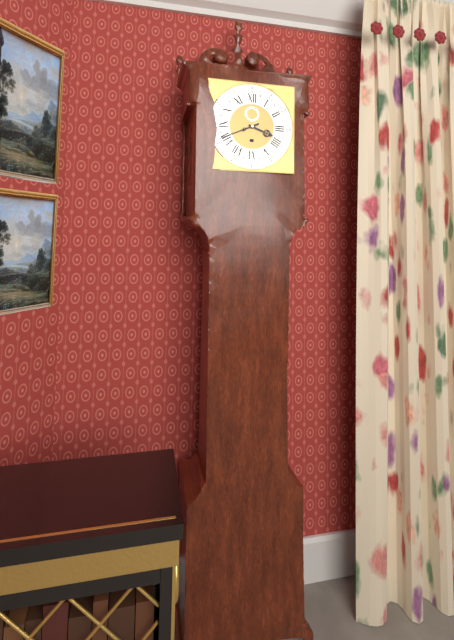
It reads **3:41**
